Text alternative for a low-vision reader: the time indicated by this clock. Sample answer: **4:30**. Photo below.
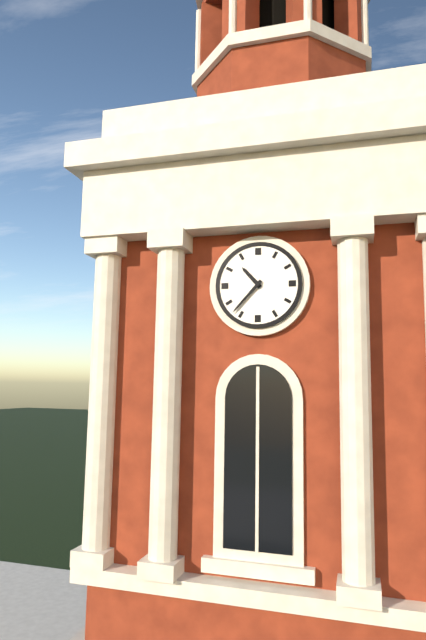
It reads **10:37**
